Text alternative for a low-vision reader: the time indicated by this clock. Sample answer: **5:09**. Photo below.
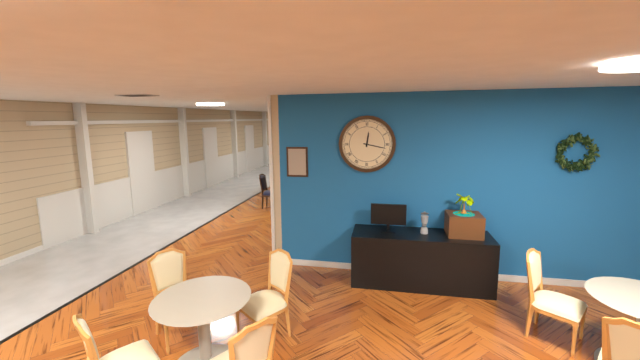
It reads **12:17**
